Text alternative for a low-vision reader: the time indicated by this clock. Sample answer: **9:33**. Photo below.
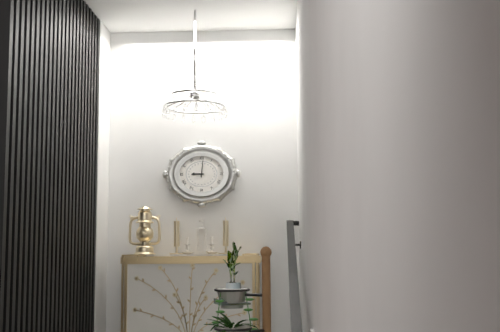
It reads **9:01**
